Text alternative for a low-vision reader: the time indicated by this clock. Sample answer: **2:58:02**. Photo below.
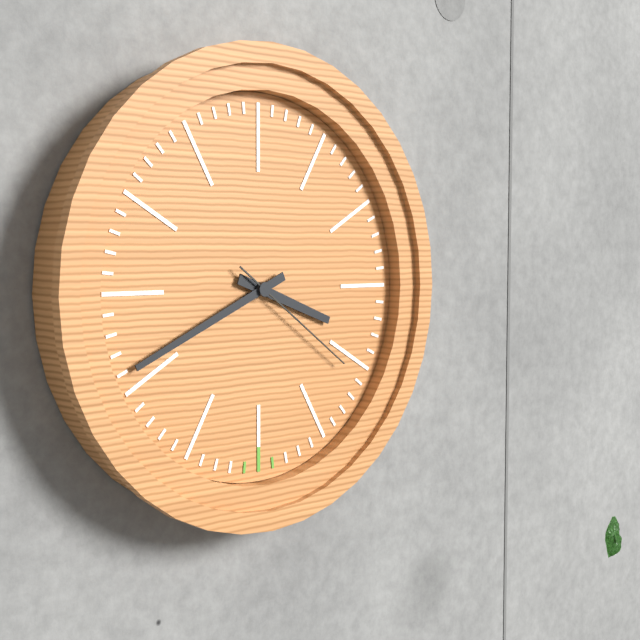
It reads **3:41:21**
